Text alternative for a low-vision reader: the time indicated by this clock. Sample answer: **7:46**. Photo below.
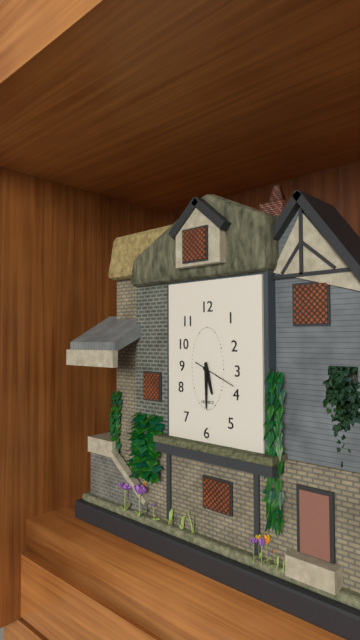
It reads **5:30**
